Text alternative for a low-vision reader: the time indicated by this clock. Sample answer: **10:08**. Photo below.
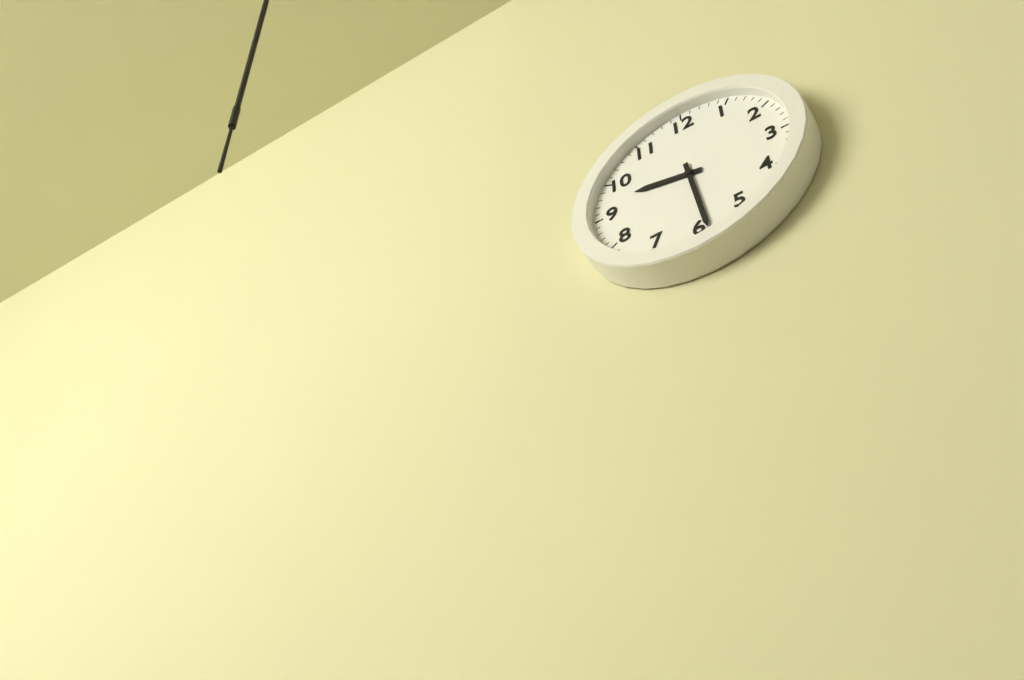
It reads **9:29**
